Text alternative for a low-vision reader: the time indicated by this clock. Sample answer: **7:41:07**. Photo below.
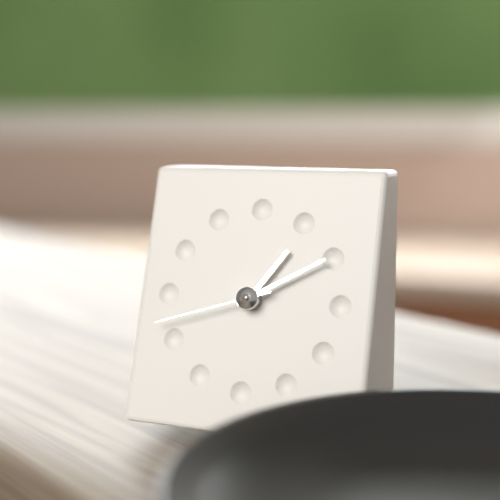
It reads **1:10:42**
